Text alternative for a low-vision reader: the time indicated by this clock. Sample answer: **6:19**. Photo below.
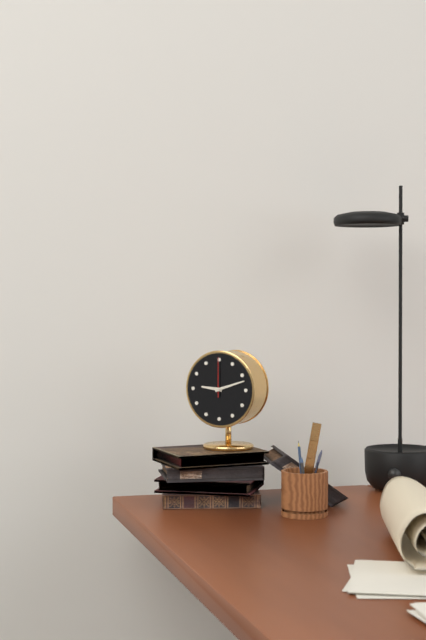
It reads **9:12**
